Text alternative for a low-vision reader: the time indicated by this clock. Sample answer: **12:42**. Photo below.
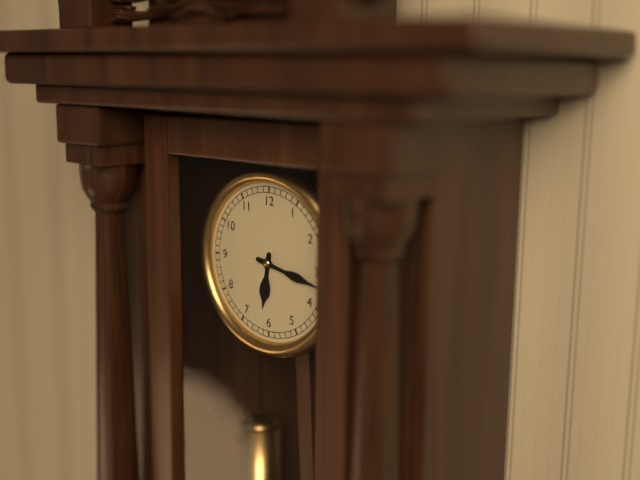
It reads **6:17**
